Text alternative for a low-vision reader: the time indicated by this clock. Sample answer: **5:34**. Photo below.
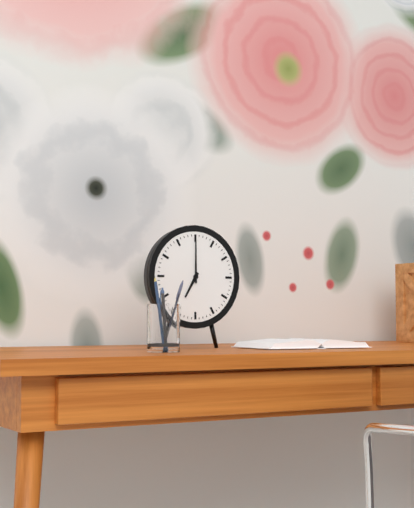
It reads **7:00**
